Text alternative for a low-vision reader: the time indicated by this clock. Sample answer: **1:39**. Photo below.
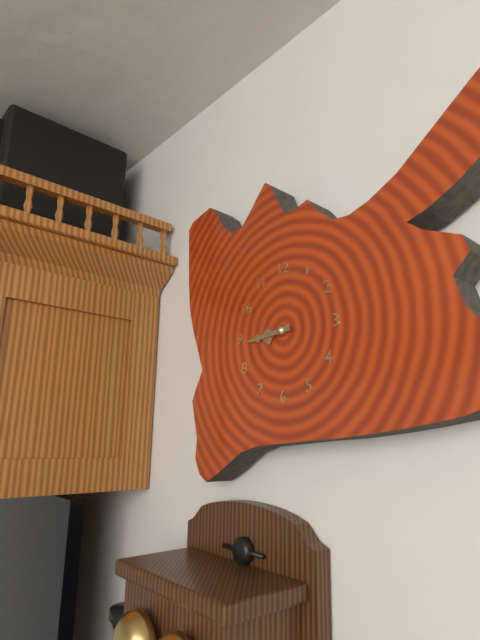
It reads **8:44**
